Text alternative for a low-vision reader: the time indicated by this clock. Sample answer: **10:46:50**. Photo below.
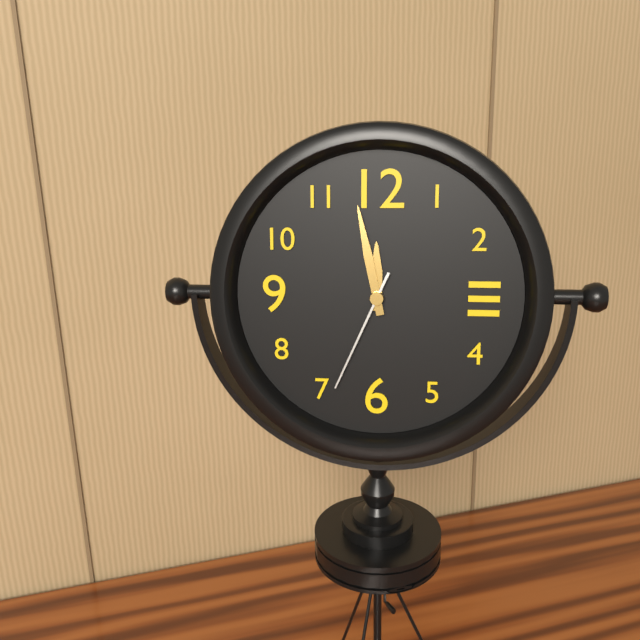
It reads **11:58:34**
